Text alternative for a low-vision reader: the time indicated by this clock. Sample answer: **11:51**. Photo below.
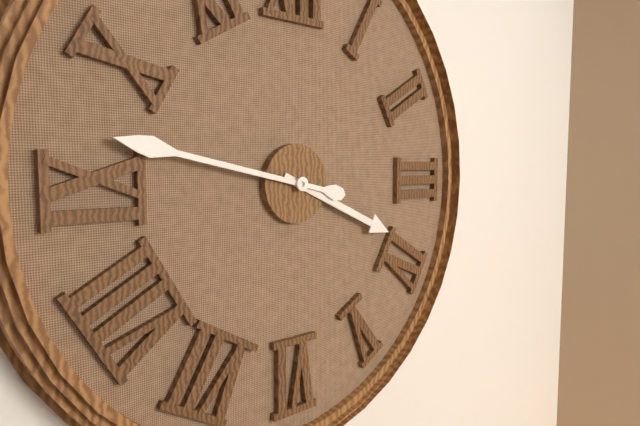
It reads **3:47**
